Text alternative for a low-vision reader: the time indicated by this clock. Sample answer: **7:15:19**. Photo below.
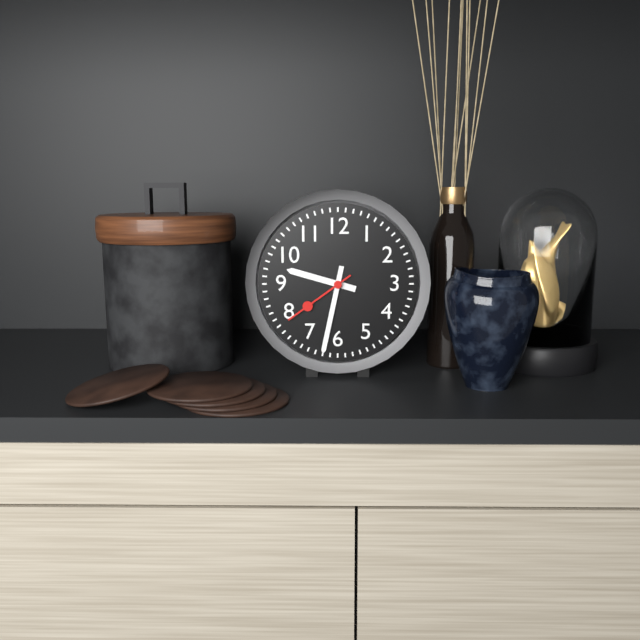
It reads **9:32:39**
